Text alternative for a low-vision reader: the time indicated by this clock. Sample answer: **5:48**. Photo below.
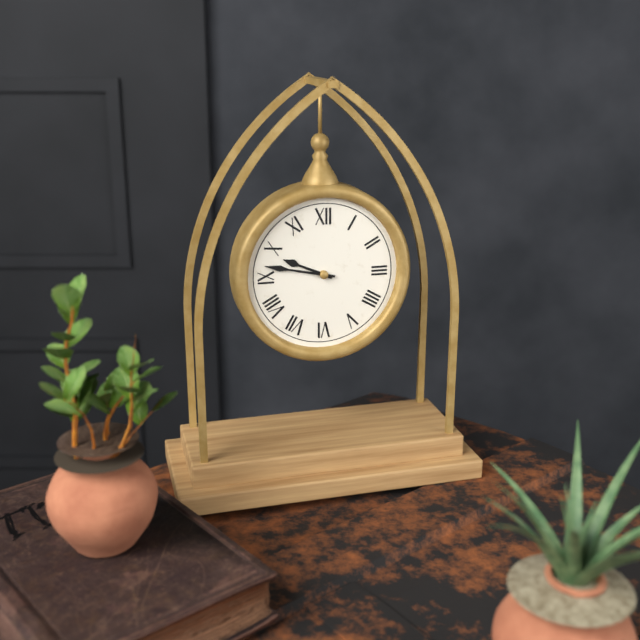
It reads **9:47**
